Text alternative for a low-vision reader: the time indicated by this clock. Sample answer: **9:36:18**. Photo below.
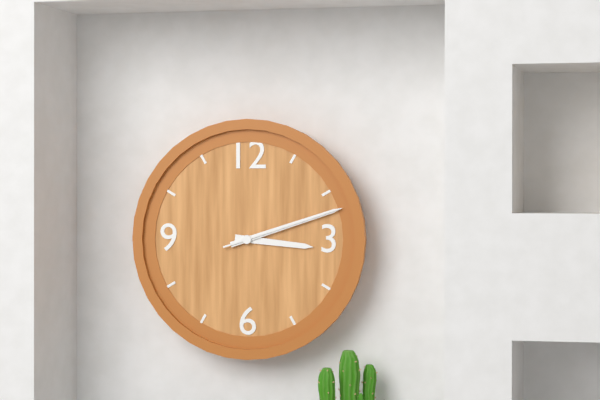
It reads **3:12:12**
